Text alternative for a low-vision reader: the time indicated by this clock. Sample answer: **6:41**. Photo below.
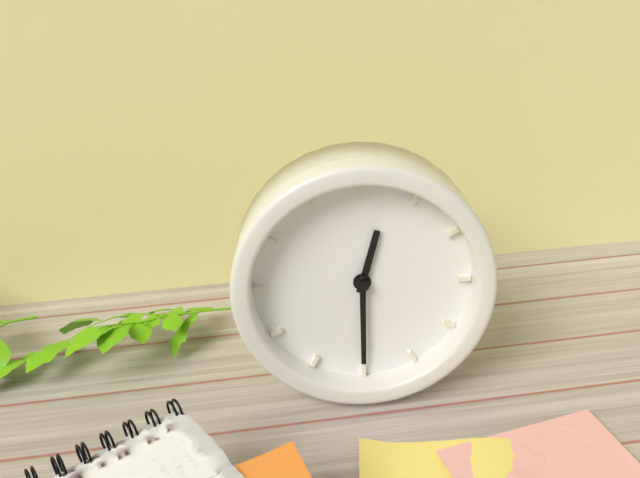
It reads **12:30**
